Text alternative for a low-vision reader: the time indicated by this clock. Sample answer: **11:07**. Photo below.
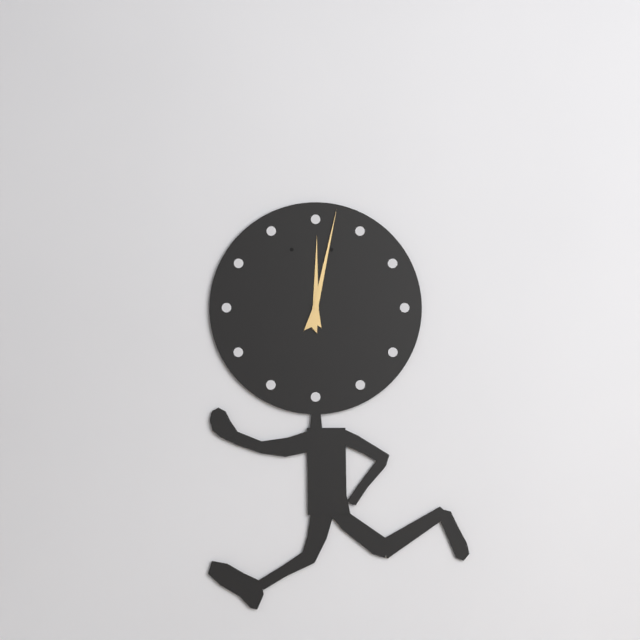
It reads **12:02**
